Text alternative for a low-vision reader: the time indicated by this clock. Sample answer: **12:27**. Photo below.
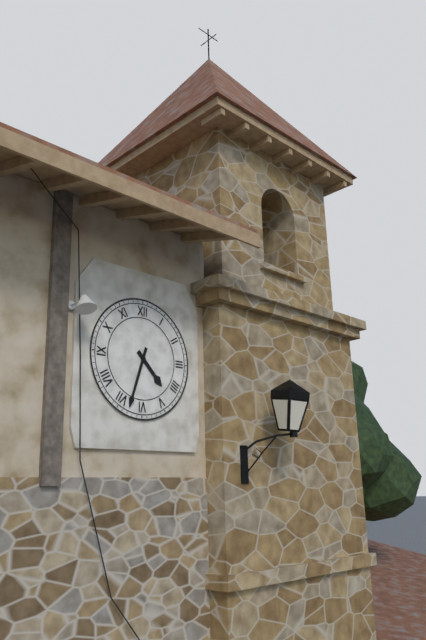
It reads **4:33**
